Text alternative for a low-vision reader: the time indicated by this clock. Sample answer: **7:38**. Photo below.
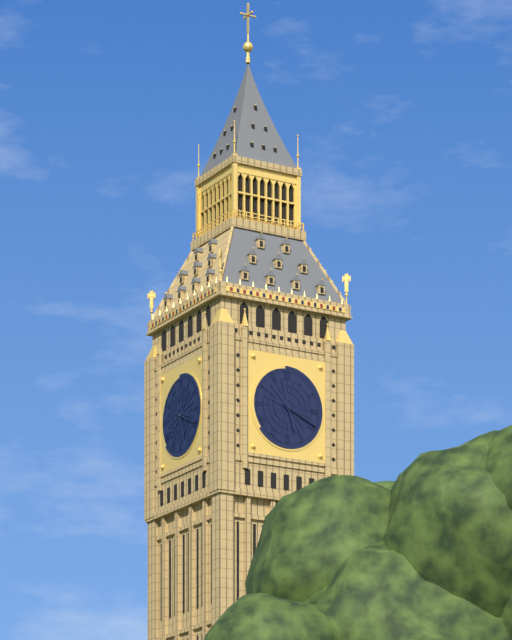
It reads **5:19**
